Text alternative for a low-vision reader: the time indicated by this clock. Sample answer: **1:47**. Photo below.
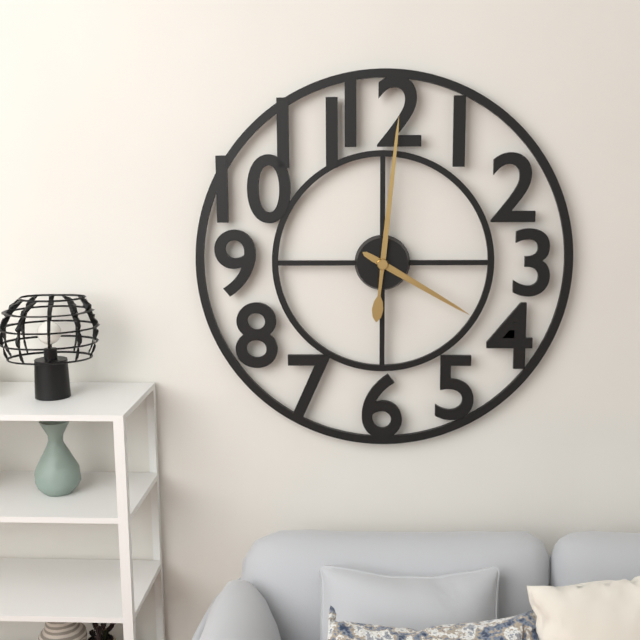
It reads **4:01**
